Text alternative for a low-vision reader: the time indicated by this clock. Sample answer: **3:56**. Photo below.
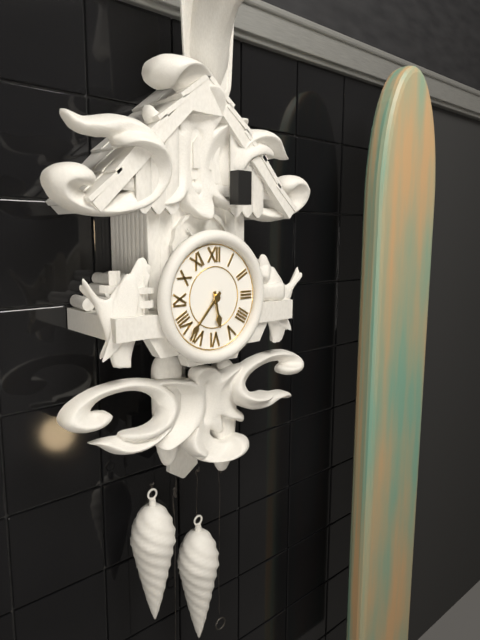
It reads **5:37**
